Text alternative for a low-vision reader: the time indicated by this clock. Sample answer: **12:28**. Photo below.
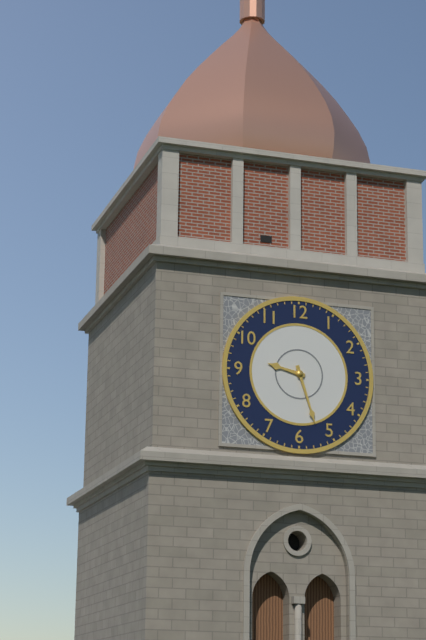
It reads **9:27**
